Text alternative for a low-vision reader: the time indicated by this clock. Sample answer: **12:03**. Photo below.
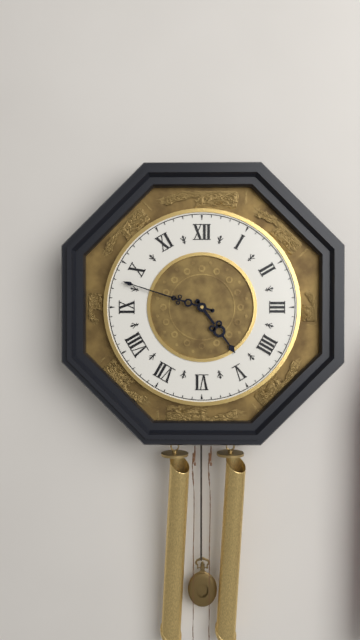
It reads **4:48**
